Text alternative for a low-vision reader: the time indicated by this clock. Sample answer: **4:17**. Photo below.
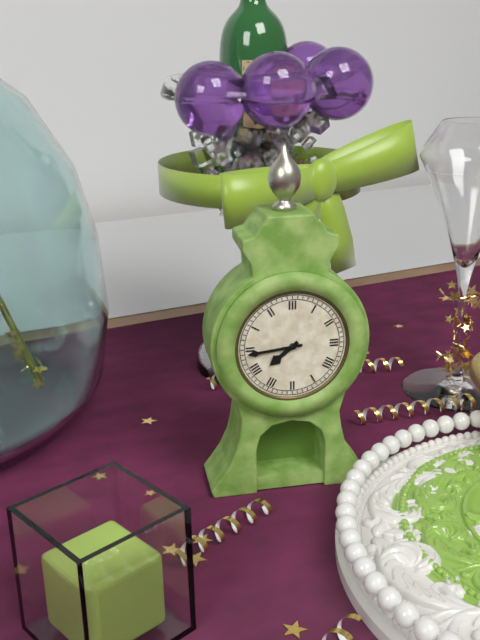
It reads **7:44**
